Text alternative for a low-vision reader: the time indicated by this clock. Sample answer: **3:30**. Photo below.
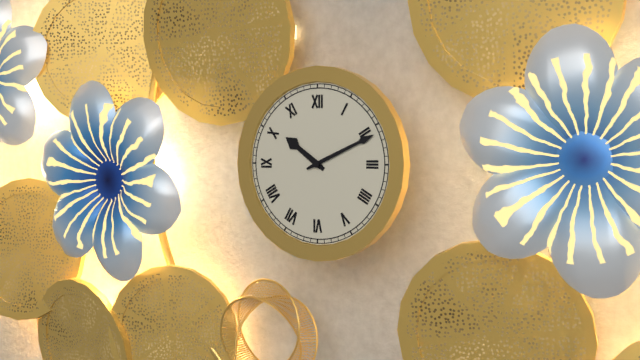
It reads **10:11**
